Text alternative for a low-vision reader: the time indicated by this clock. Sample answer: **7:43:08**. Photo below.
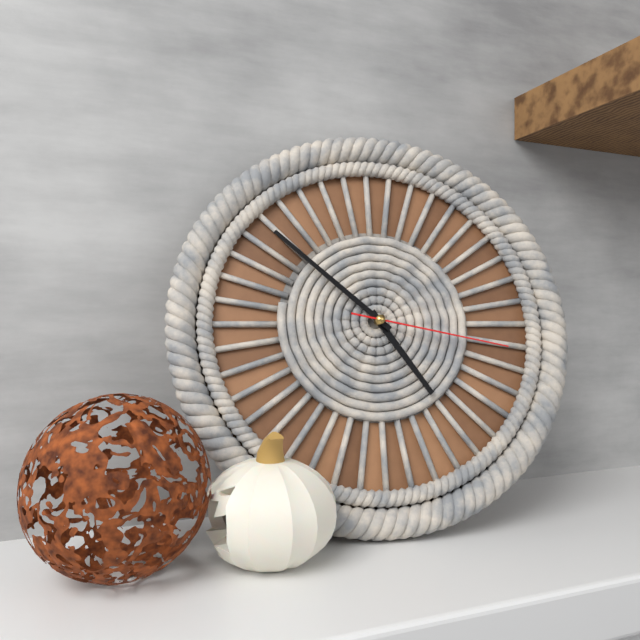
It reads **4:52:17**
